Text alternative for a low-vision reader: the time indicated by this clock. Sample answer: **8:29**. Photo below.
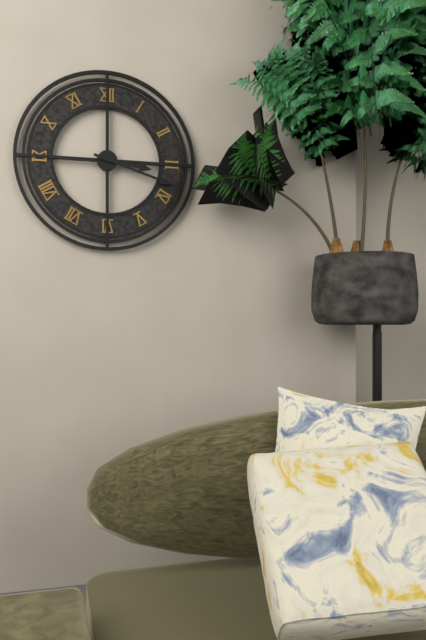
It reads **3:18**
